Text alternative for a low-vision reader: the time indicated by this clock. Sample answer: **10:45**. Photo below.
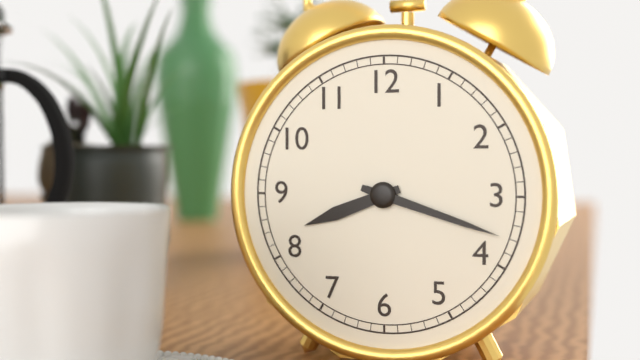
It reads **8:18**
